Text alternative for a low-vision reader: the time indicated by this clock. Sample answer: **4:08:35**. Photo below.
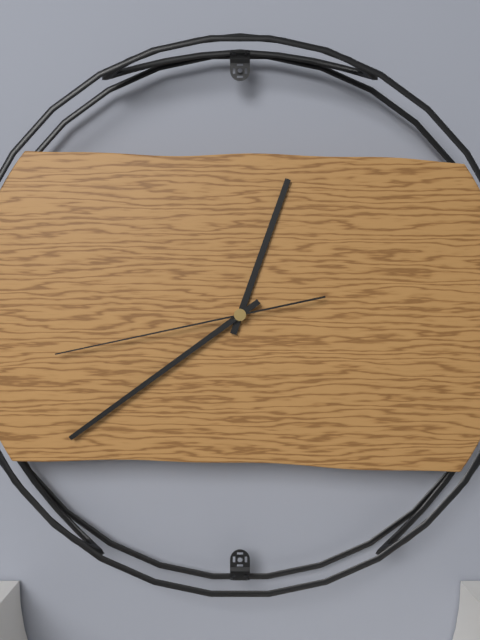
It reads **12:39:43**
